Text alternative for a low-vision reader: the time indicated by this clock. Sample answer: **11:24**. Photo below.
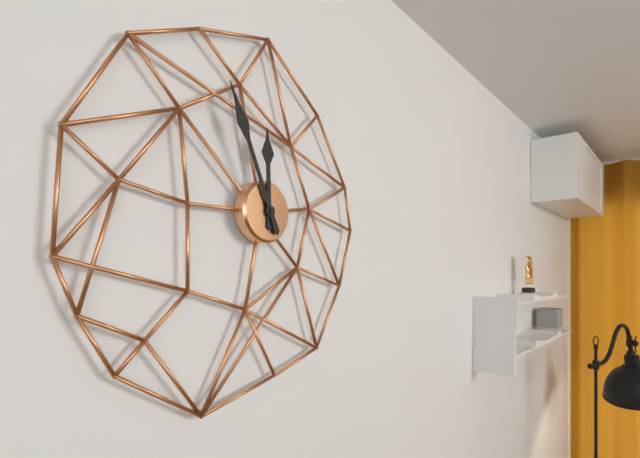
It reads **11:56**
